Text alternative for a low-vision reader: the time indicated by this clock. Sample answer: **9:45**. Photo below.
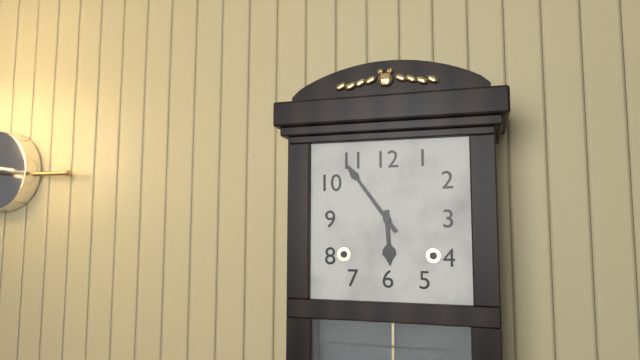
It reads **5:54**
